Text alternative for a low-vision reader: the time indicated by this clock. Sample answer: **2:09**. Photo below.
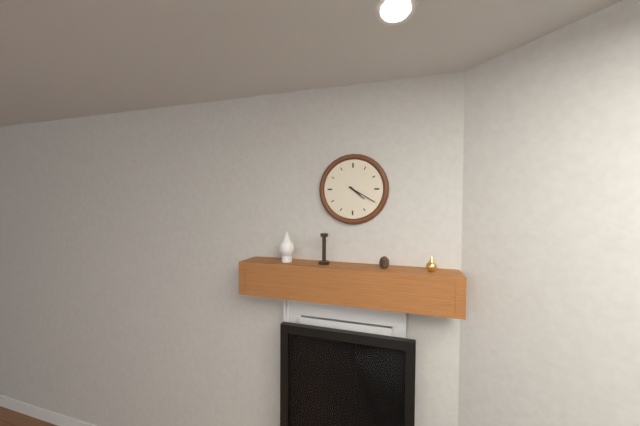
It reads **4:20**
